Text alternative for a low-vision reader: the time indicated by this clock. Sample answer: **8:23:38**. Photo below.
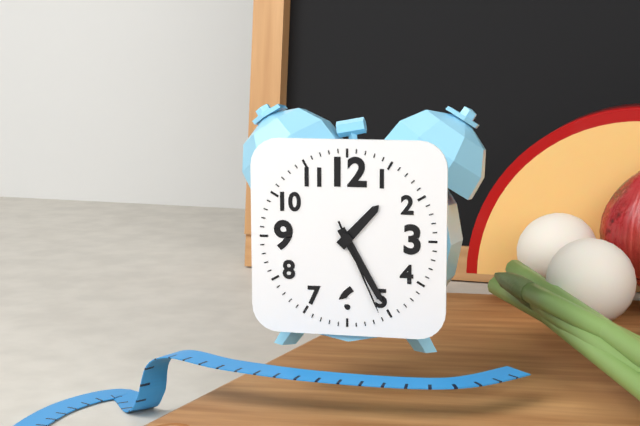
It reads **1:25:26**
